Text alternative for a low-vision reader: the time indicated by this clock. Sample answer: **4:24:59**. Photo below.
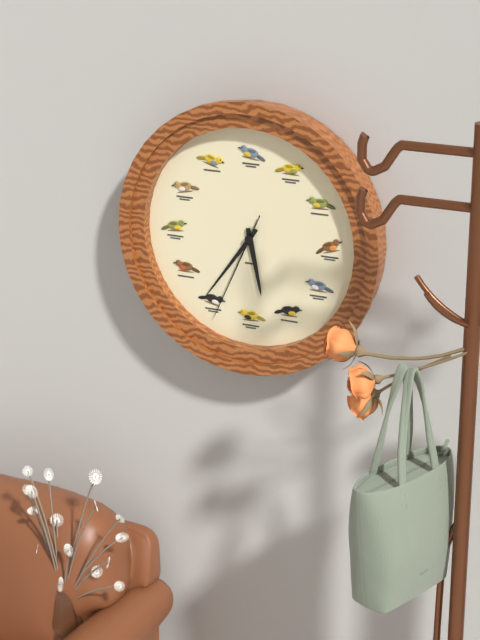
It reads **5:36:34**
